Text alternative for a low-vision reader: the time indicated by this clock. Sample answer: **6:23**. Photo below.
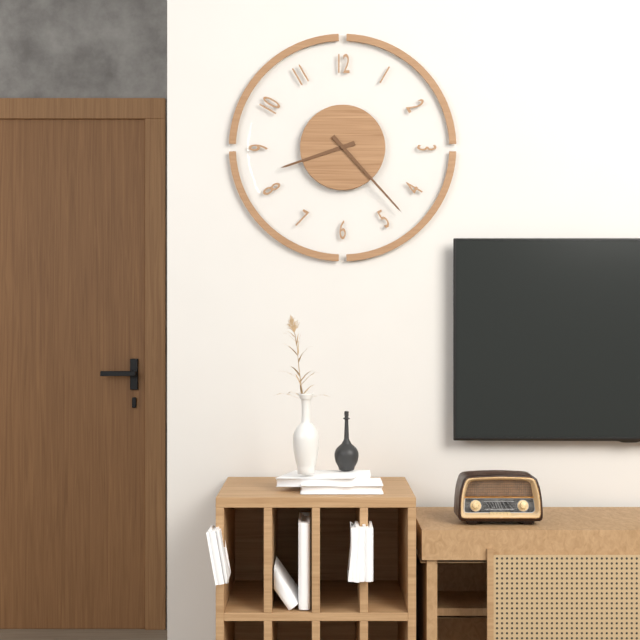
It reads **8:23**
